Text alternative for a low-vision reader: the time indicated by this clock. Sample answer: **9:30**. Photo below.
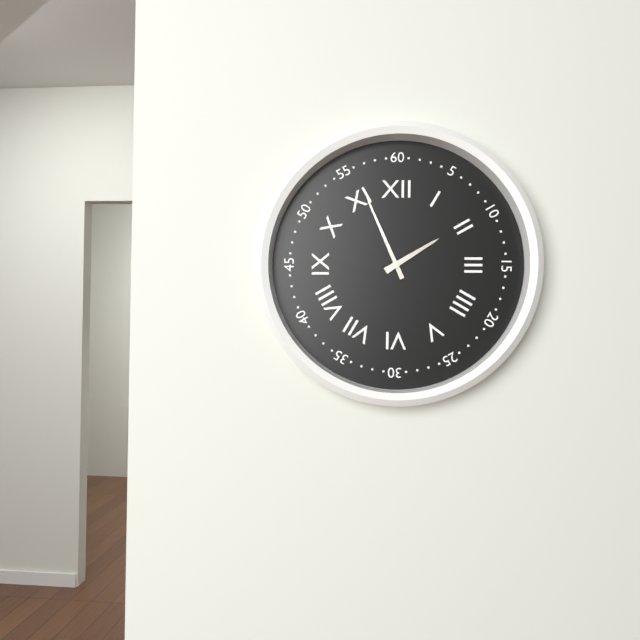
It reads **1:56**
